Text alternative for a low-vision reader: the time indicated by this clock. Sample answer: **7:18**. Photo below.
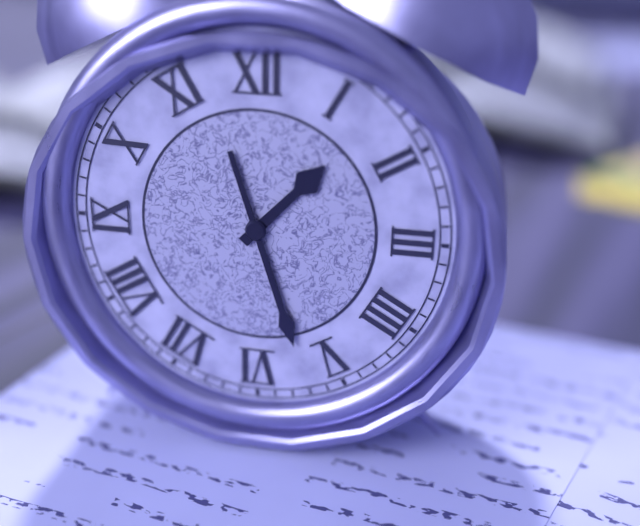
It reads **1:27**
